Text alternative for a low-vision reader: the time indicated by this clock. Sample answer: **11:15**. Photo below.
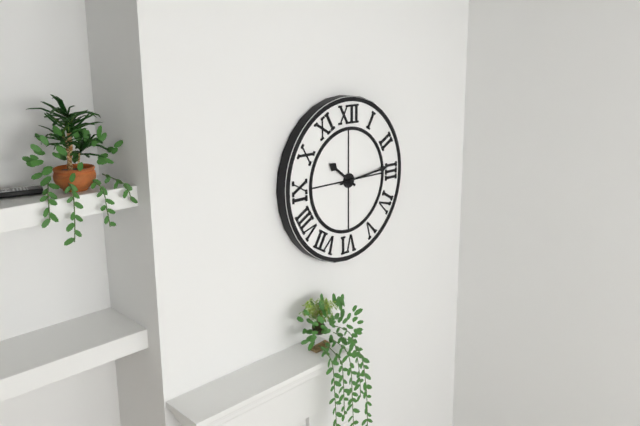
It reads **10:14**
